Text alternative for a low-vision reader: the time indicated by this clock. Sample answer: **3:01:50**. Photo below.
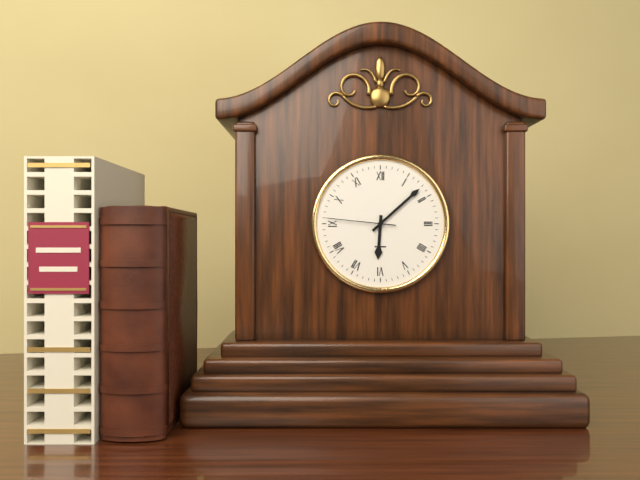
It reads **6:08:46**
